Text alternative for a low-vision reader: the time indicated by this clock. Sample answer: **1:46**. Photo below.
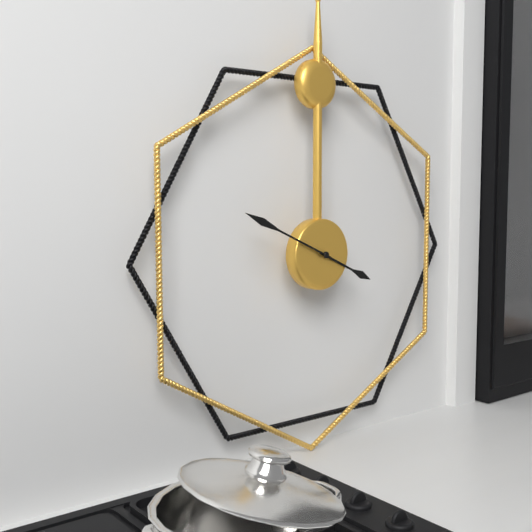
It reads **3:49**
